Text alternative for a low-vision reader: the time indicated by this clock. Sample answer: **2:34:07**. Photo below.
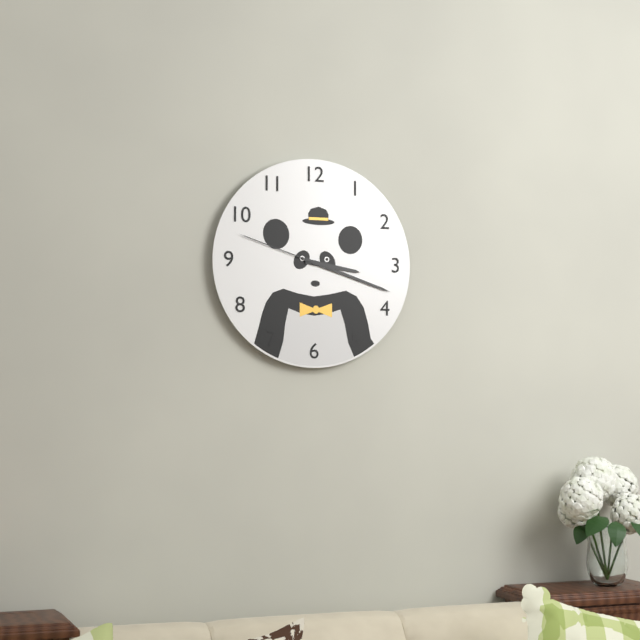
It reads **3:18:48**
